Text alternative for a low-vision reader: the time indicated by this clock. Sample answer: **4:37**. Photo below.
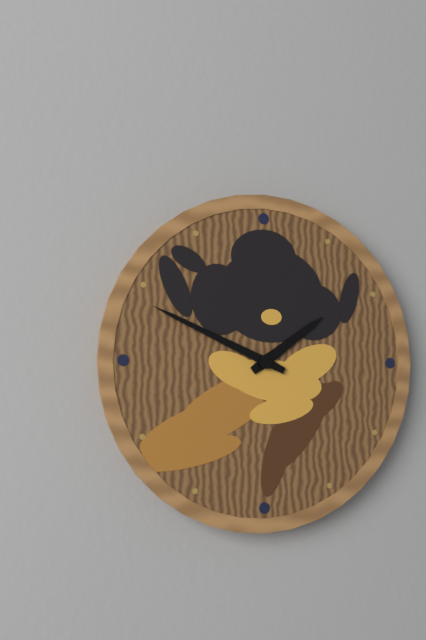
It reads **1:49**
